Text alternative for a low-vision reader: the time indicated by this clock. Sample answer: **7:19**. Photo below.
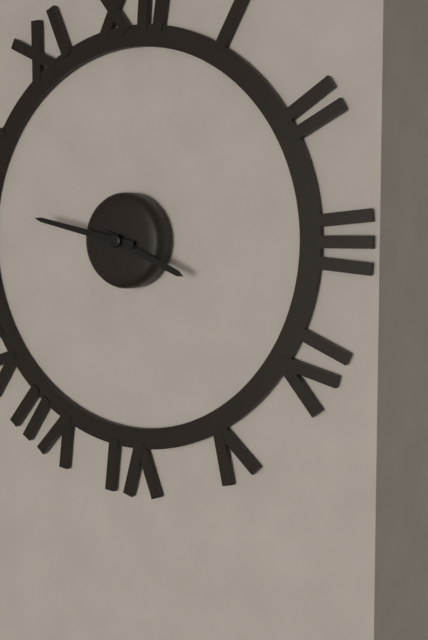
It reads **3:47**
